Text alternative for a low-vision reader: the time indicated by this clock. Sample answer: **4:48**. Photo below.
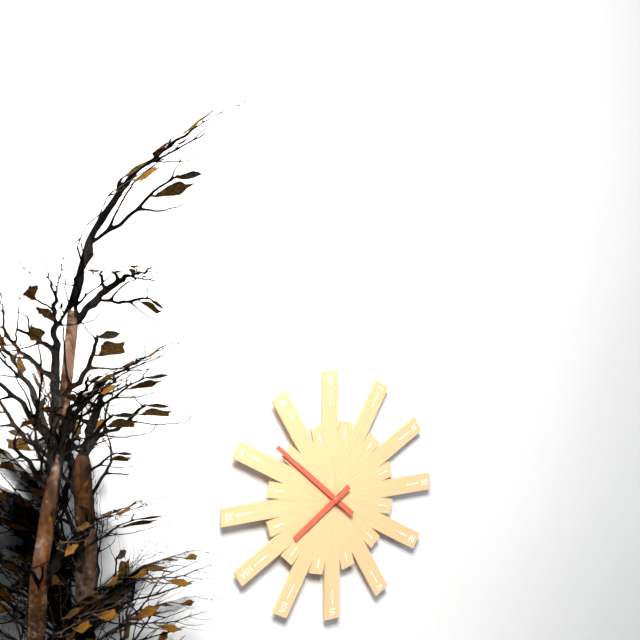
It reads **7:52**
